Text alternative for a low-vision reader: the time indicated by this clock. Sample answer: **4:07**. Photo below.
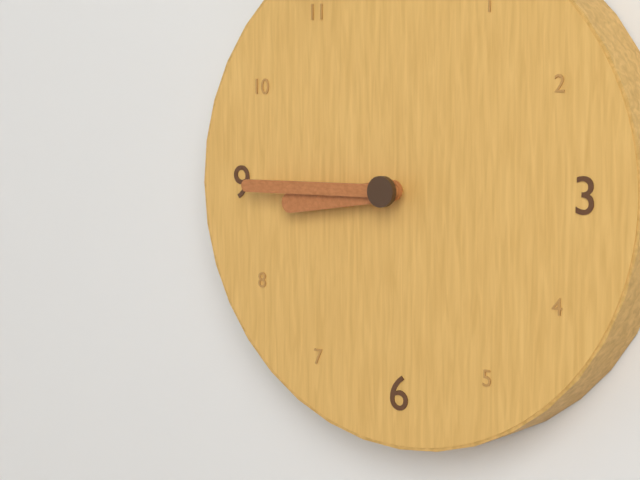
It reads **8:45**
